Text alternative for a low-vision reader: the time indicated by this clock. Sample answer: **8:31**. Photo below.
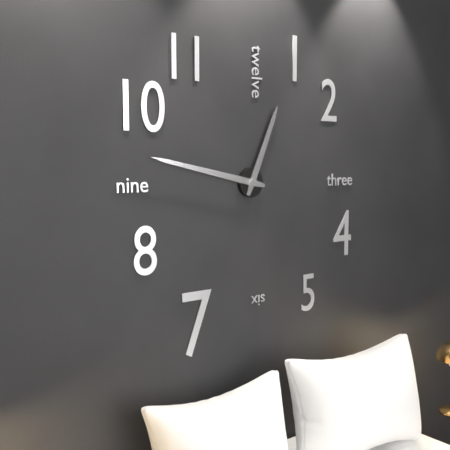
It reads **12:47**
